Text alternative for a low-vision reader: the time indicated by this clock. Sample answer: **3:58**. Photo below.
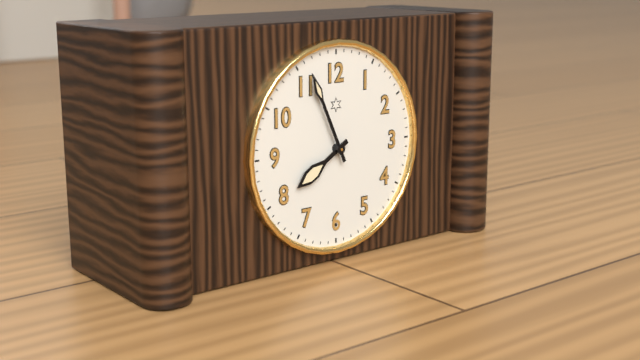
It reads **7:56**
